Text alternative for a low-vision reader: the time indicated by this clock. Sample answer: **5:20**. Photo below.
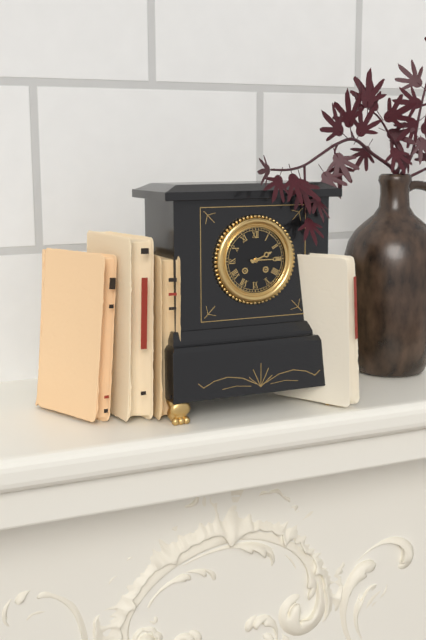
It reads **2:15**
